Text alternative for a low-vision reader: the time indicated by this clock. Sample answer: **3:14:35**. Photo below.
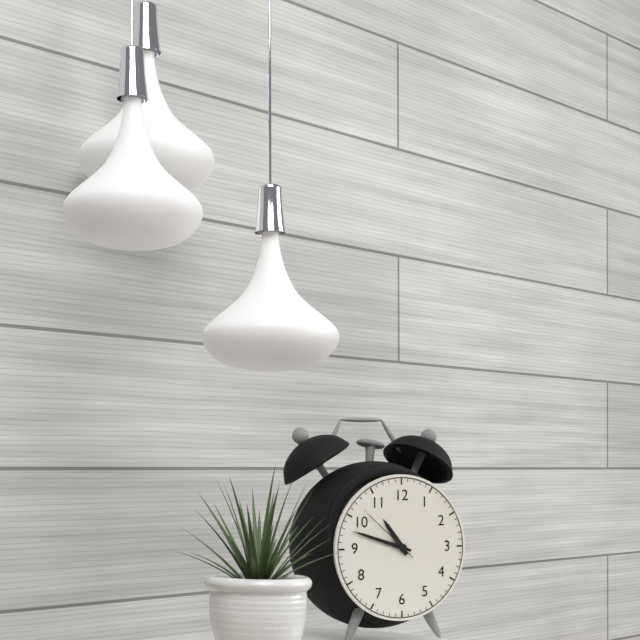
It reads **10:48:52**
